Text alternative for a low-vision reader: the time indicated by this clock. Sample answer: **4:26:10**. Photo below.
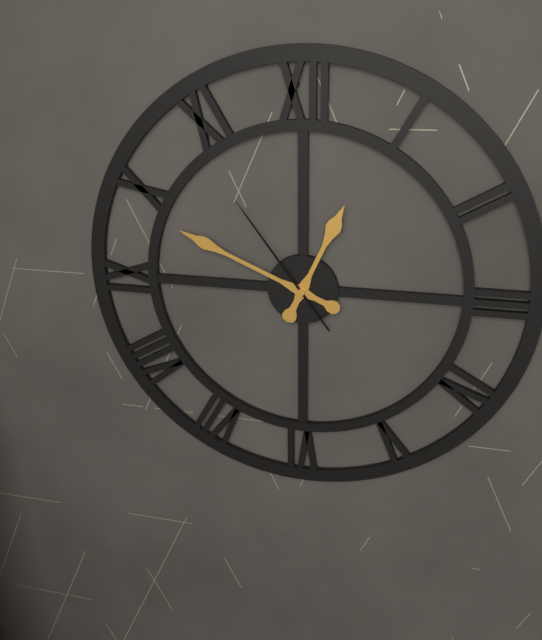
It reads **12:49:54**
